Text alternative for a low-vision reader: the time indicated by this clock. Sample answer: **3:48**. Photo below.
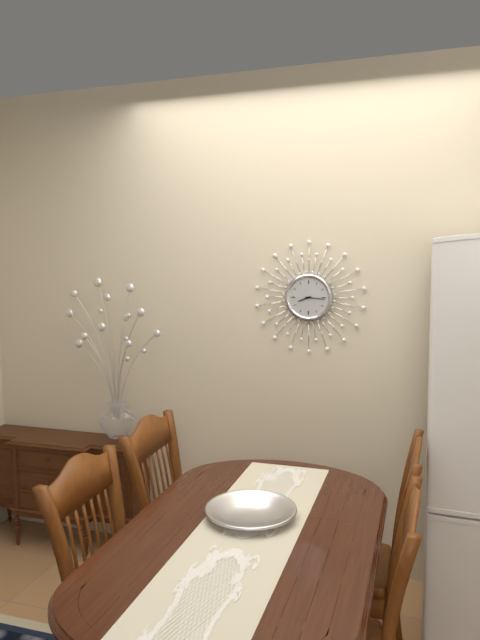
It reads **8:16**
